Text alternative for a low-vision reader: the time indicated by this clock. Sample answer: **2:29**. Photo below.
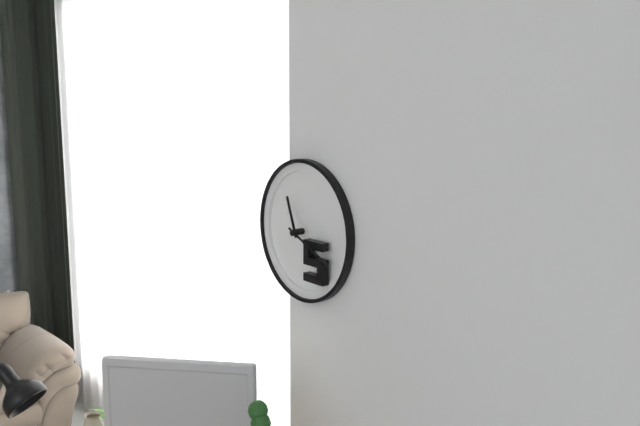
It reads **11:19**
